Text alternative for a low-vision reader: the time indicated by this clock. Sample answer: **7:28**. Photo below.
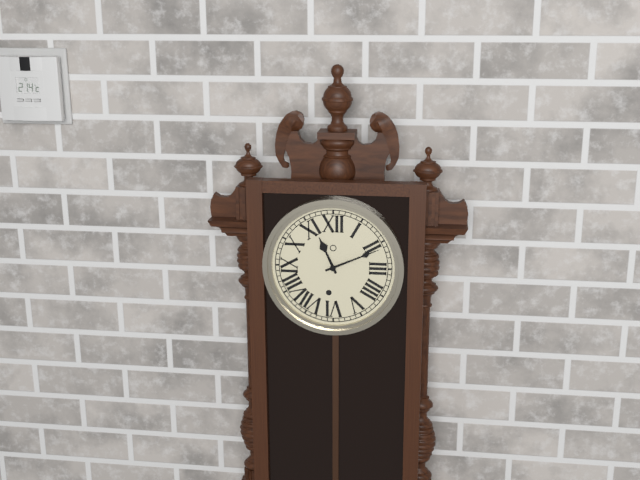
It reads **11:11**
